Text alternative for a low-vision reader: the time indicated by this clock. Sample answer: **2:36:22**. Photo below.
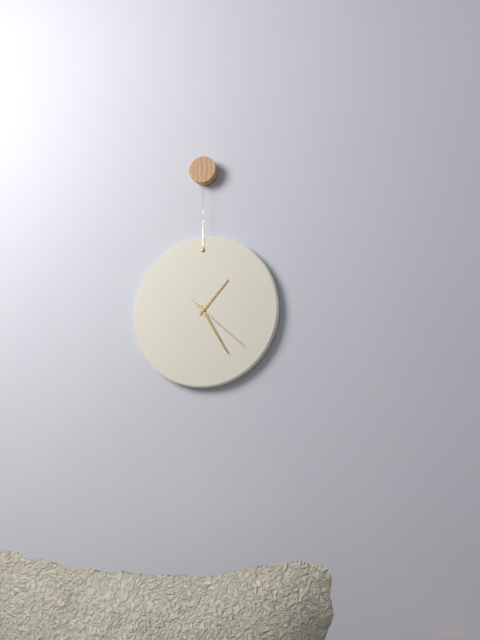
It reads **1:25:22**
